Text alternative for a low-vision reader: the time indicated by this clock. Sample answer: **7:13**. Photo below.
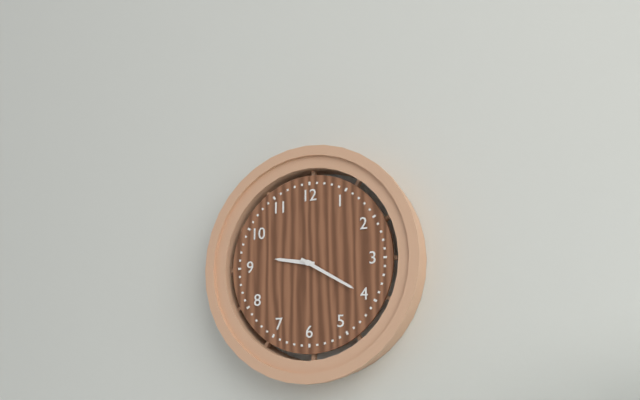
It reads **9:20**
